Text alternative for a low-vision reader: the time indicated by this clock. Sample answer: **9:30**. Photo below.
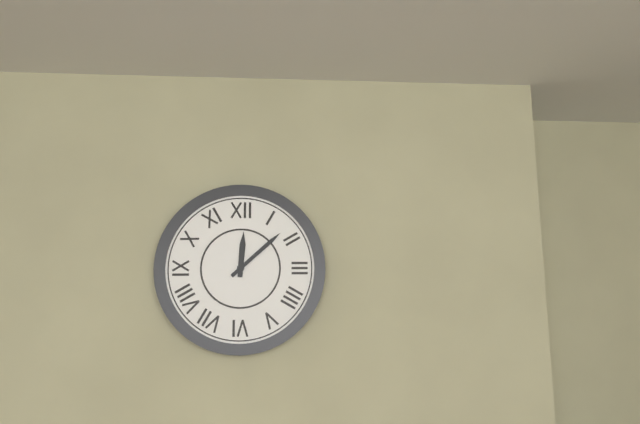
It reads **12:08**
